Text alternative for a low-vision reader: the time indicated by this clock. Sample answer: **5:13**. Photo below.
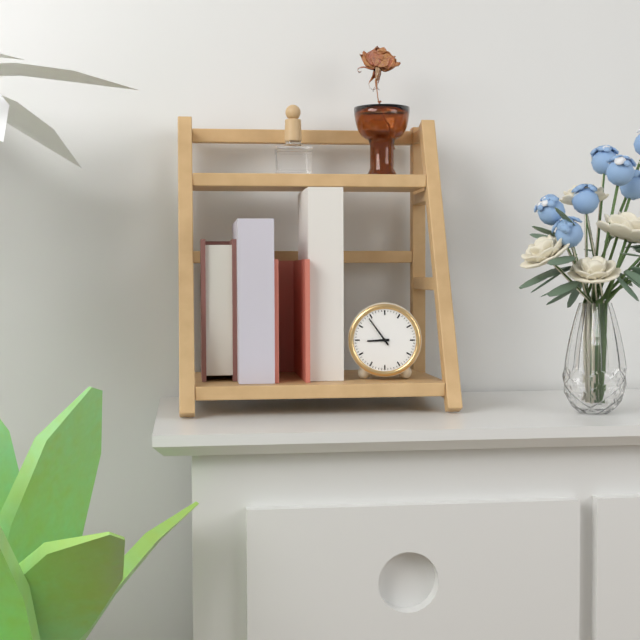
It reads **8:54**
